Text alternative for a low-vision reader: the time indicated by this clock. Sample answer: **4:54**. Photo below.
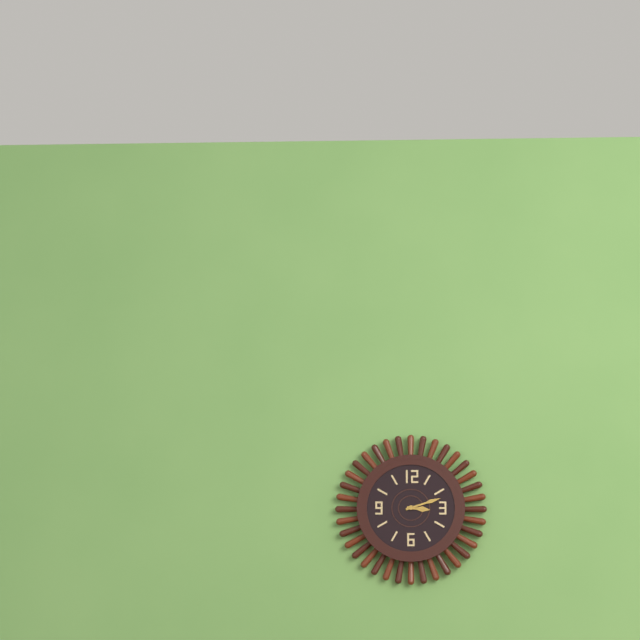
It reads **3:12**
